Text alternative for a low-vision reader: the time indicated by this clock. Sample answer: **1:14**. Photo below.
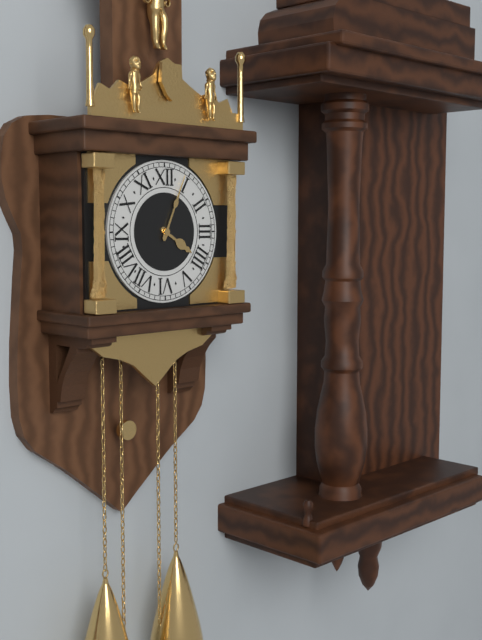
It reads **4:04**
